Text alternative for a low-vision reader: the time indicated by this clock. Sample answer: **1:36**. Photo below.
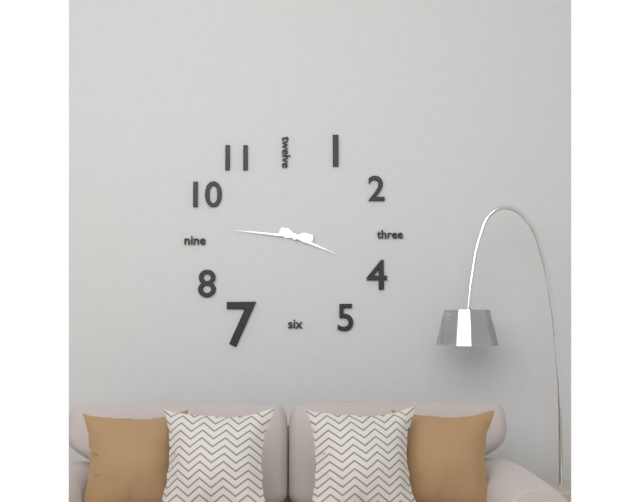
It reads **3:46**
